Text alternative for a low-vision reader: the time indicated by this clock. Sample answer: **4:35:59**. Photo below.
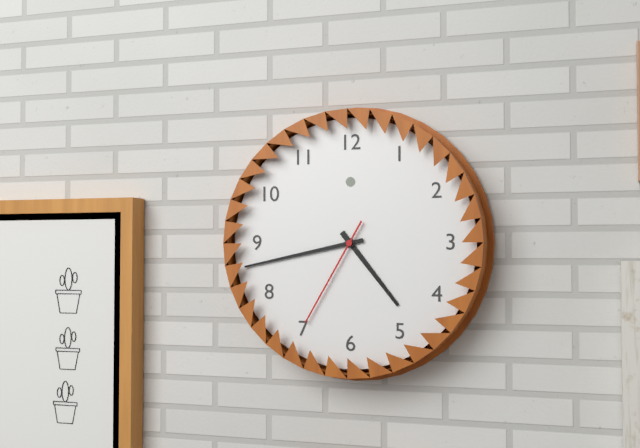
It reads **4:43:35**
